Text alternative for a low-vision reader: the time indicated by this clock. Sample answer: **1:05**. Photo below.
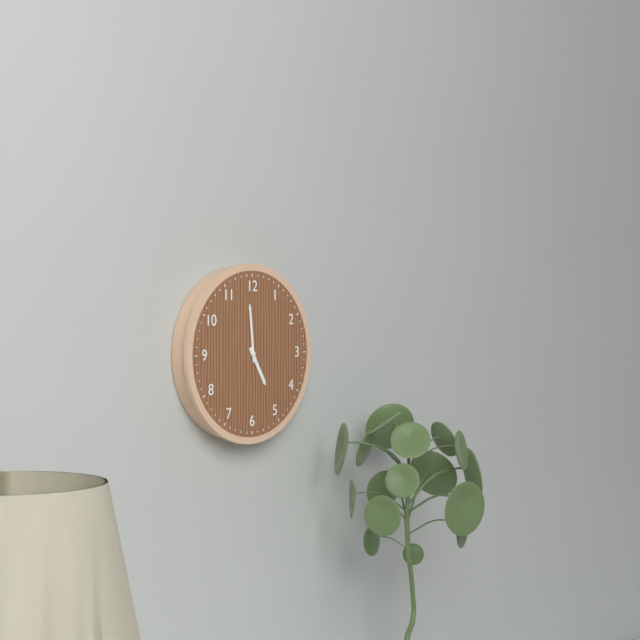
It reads **4:59**
